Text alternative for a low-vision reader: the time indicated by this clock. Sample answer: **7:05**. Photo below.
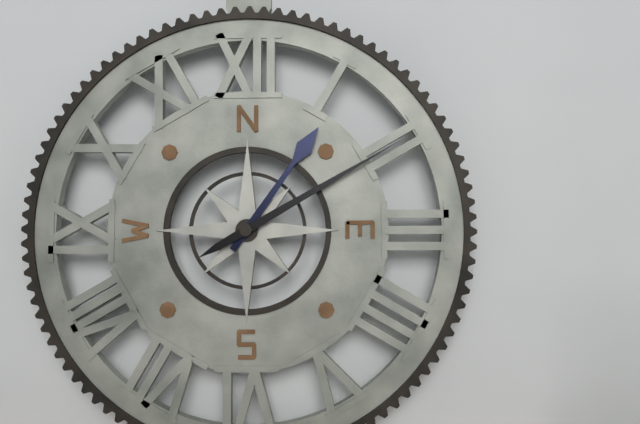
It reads **1:10**
